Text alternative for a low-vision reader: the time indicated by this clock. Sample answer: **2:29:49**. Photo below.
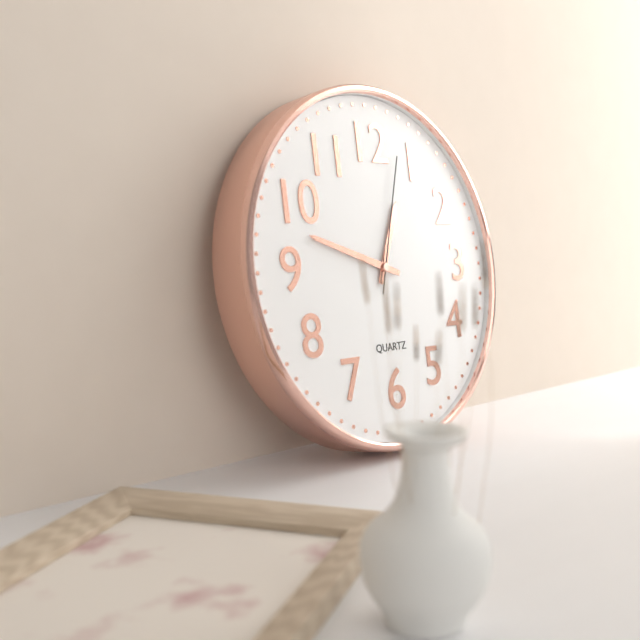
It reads **12:48:03**
